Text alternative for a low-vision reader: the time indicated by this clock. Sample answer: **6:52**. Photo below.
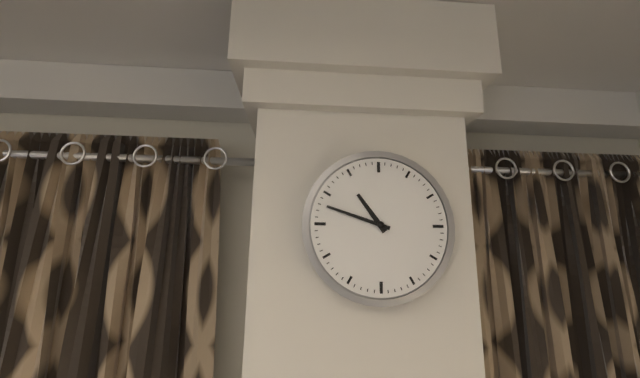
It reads **10:48**
